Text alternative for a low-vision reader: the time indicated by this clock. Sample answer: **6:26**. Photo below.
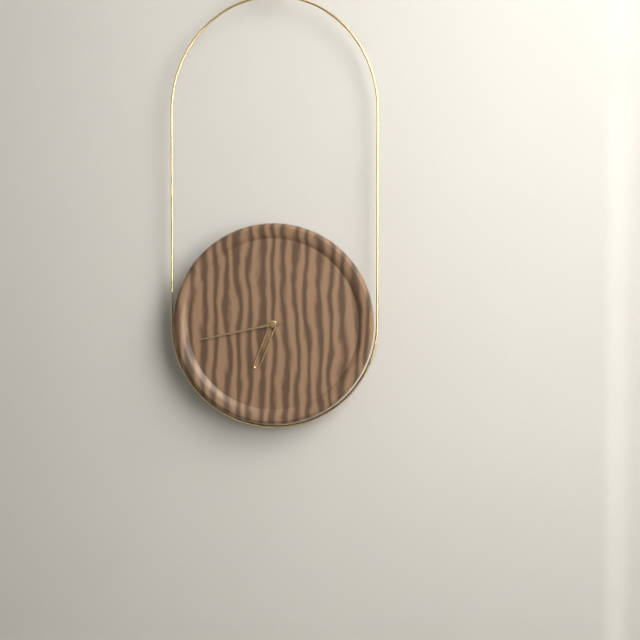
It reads **6:43**
